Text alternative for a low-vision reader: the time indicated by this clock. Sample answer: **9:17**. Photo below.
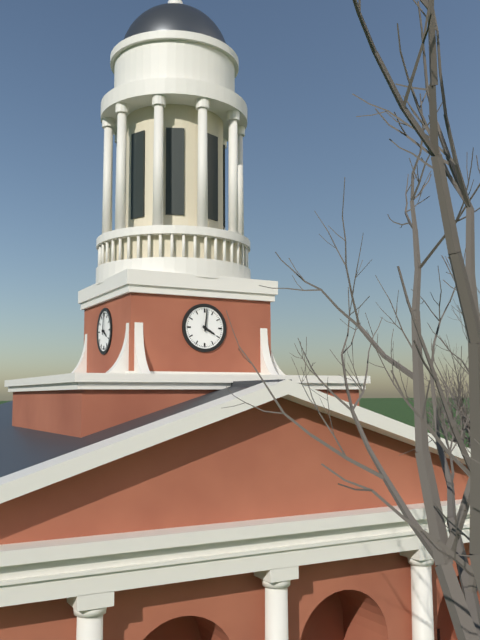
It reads **4:01**
